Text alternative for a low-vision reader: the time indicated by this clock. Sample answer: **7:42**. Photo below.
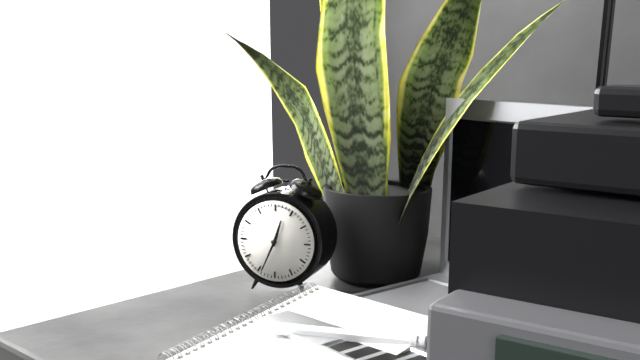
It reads **12:34**
